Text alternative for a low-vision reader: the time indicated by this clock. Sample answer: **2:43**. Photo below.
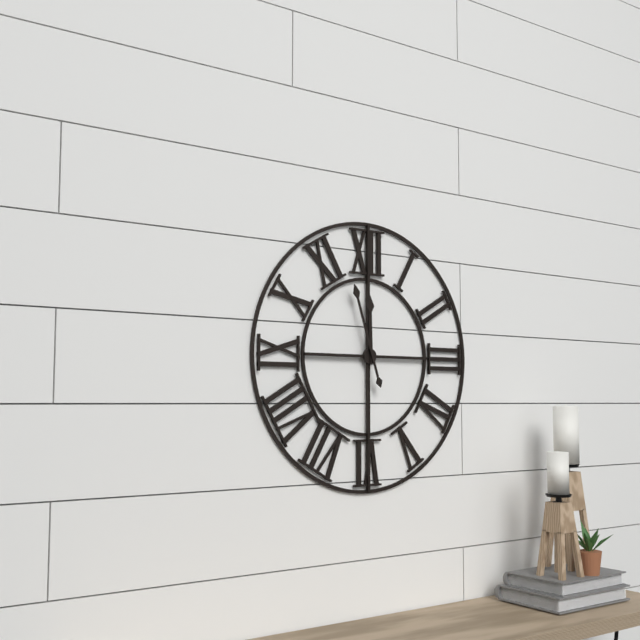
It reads **11:57**
